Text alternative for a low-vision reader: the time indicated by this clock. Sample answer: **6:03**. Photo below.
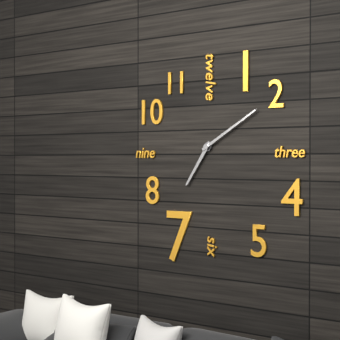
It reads **7:10**
